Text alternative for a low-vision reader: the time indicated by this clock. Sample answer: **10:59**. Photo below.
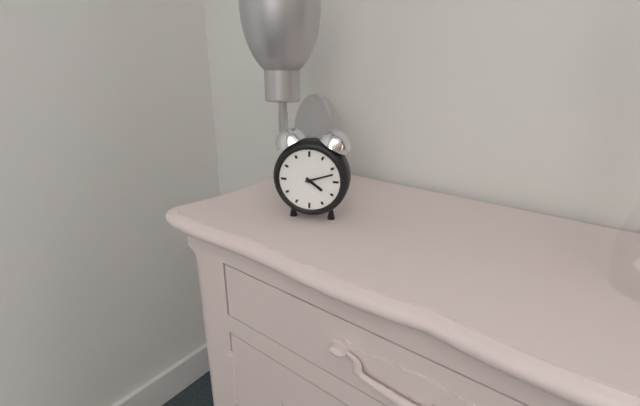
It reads **4:12**
